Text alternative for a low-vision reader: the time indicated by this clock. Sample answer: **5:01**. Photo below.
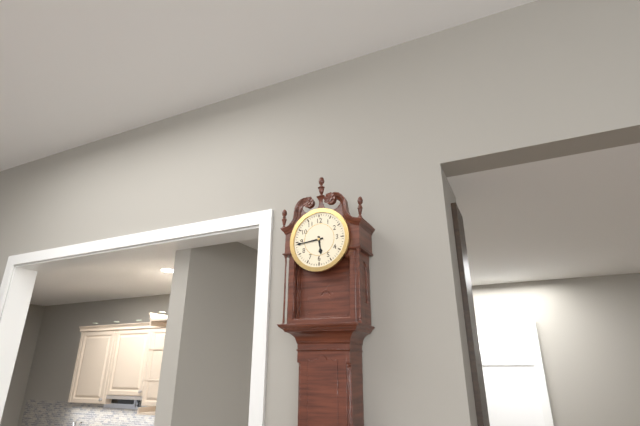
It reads **5:44**
